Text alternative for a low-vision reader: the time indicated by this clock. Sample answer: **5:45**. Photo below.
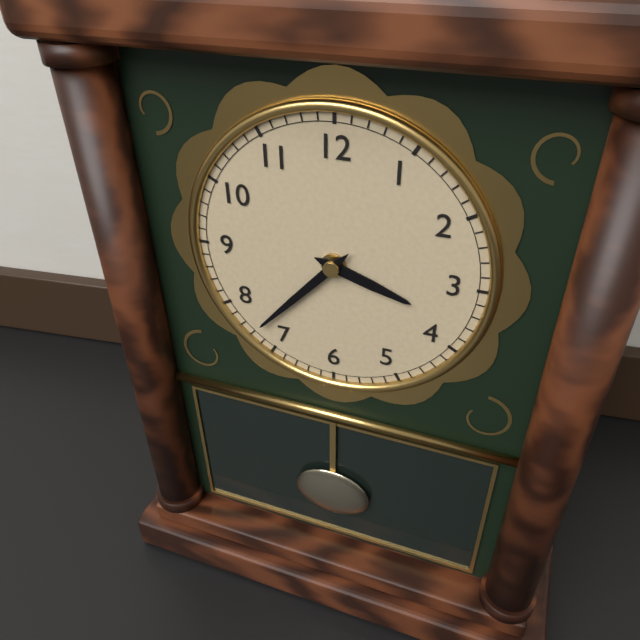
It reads **3:37**
